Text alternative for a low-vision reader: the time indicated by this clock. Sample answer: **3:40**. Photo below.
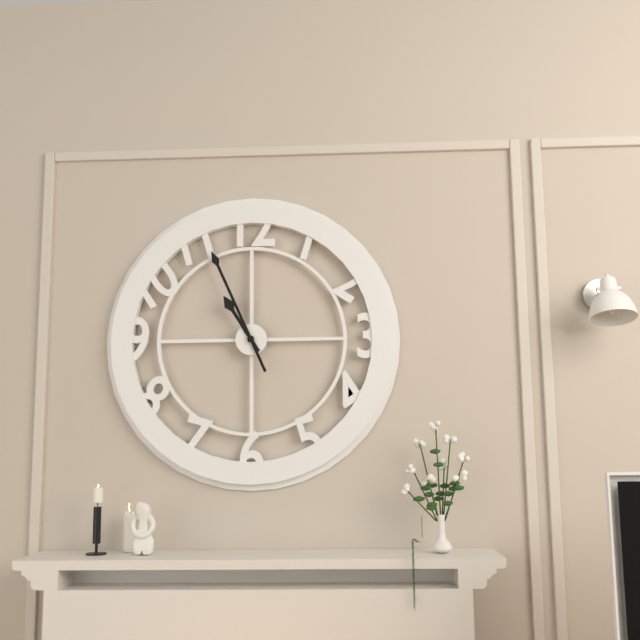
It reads **10:56**
